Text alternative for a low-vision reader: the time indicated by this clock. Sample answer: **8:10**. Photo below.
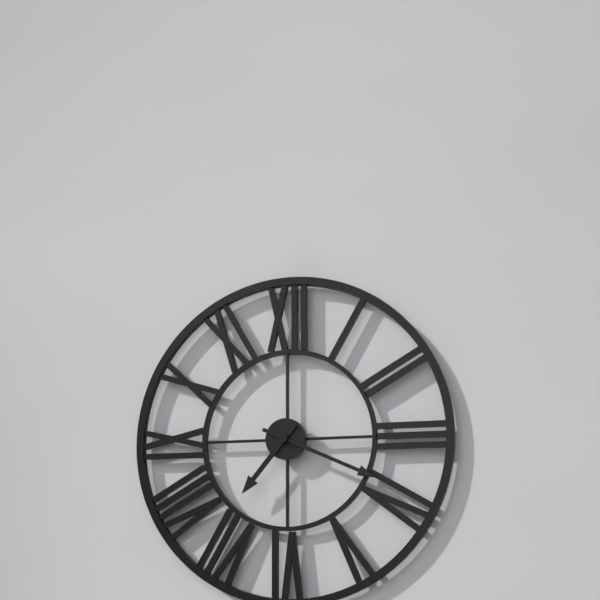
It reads **7:19**
